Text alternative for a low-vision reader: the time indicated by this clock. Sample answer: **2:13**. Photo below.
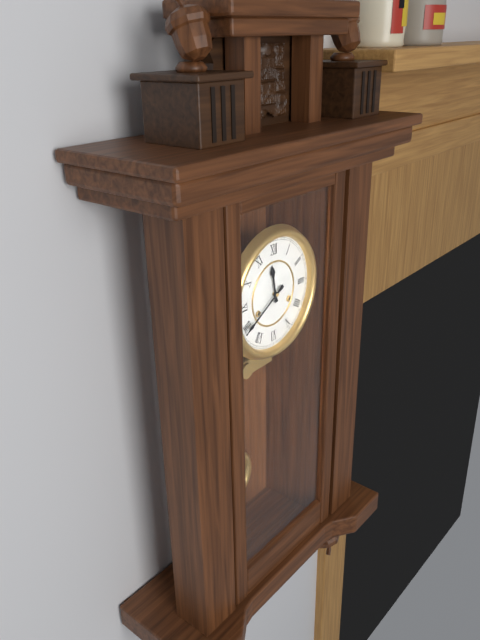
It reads **11:40**
